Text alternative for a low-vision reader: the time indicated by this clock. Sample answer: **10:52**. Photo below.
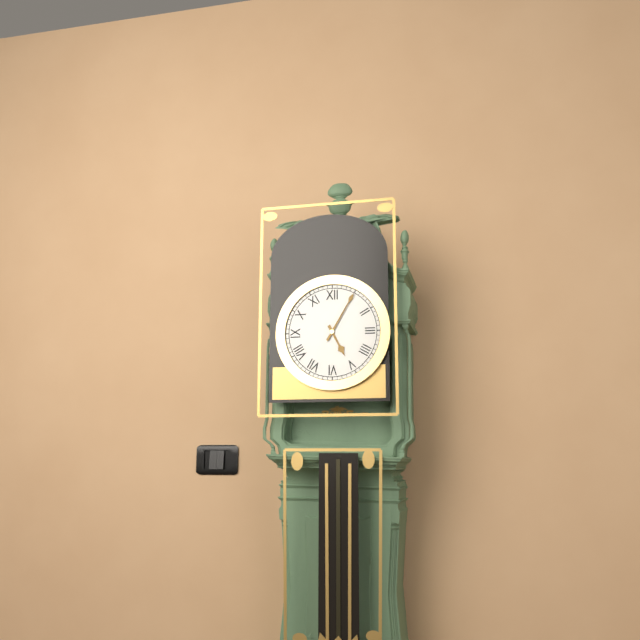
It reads **5:05**
